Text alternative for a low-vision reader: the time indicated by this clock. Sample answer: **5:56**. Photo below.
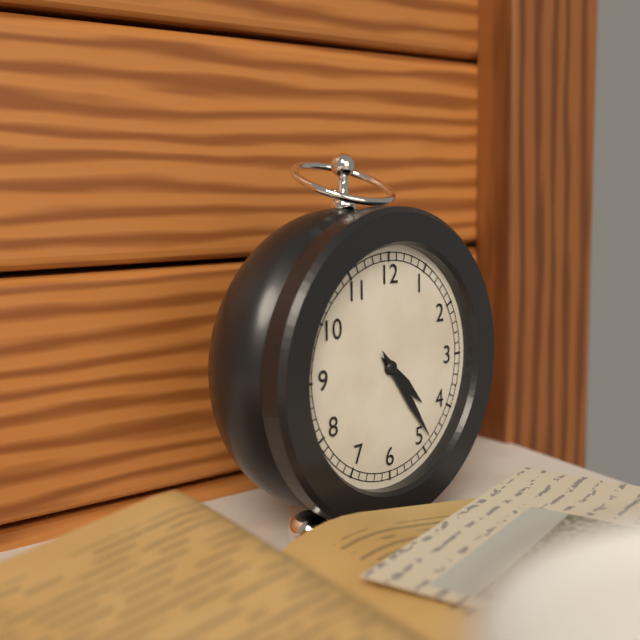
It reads **4:24**
